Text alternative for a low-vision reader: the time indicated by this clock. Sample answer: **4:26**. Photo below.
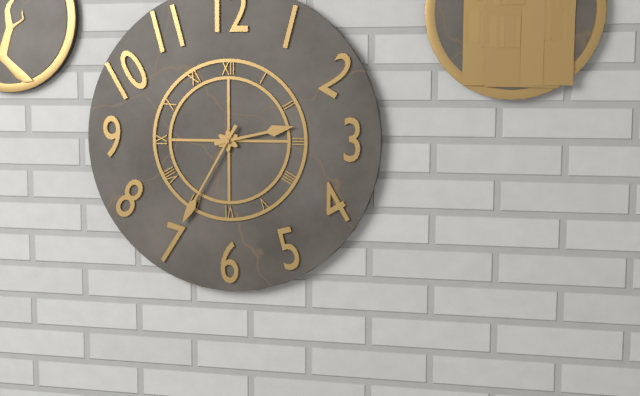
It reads **2:35**
